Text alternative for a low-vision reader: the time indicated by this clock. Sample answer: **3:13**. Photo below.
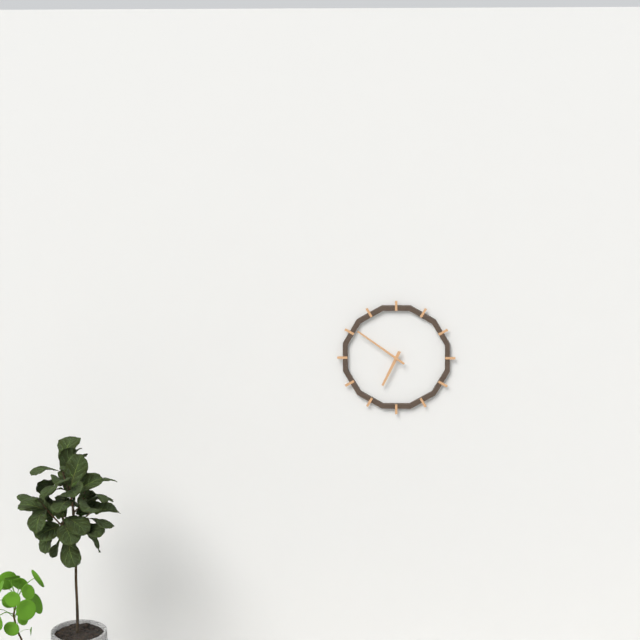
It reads **6:51**
